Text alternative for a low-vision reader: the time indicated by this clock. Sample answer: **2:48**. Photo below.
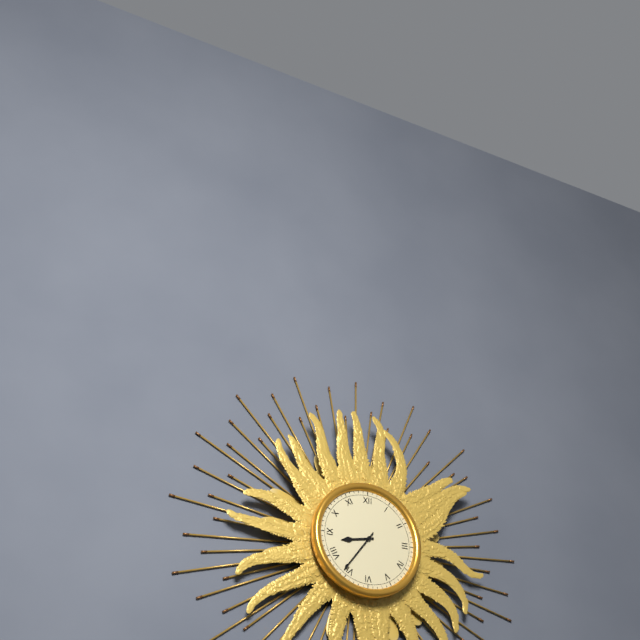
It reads **8:36**
